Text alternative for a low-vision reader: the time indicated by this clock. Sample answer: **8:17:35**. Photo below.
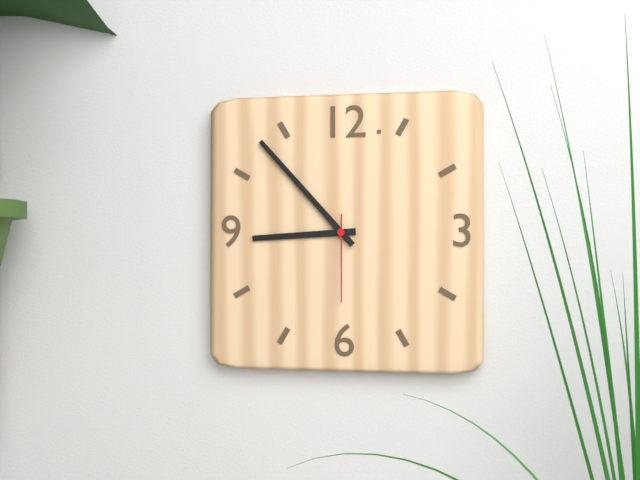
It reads **8:53:30**
